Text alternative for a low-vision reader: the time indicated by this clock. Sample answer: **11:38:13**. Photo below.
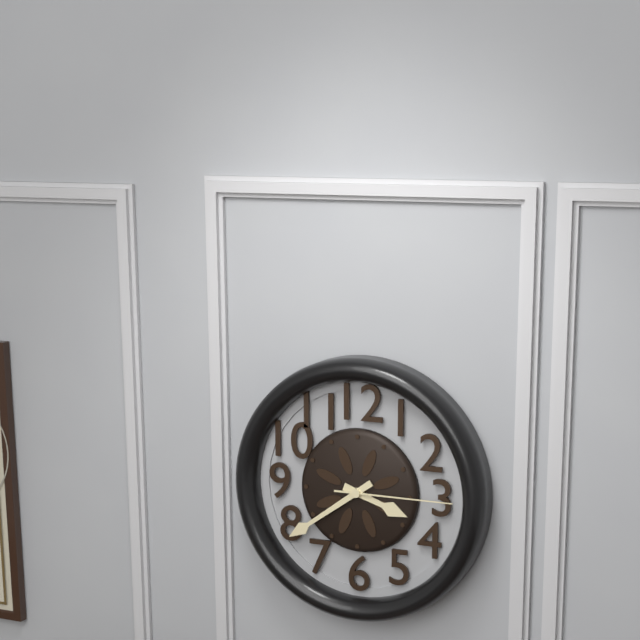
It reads **3:39:15**
